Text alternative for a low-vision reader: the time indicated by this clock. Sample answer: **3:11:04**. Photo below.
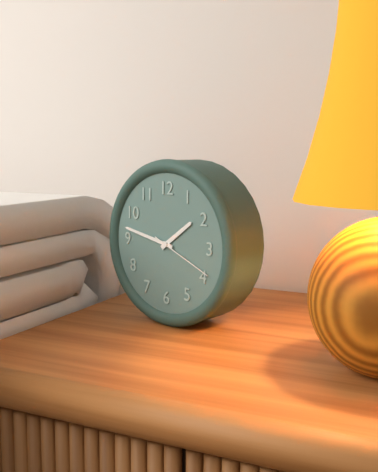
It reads **1:47:19**
